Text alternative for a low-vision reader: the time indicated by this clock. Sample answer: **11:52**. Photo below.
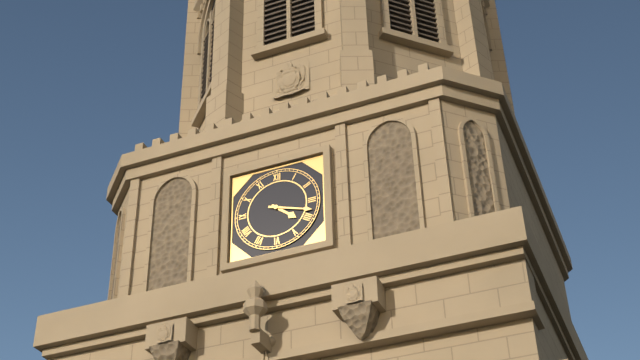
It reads **4:18**
